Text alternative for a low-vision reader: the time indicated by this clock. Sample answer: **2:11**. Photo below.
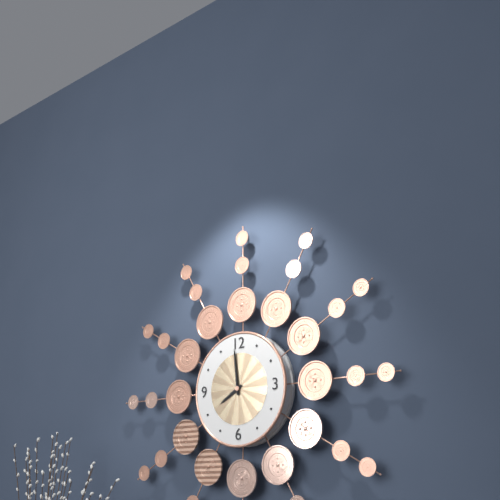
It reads **7:59**
